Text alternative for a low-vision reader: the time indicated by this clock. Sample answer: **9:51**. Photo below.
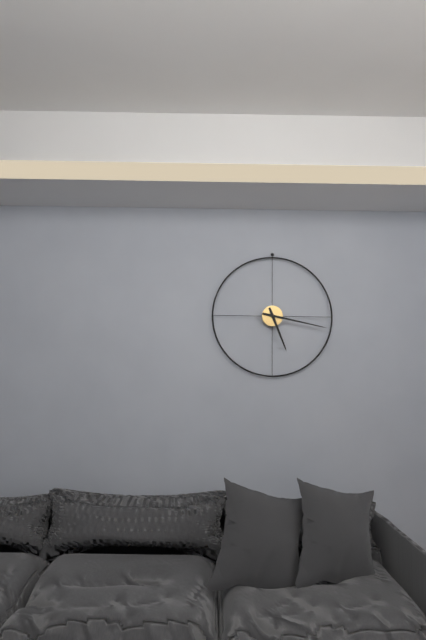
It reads **5:17**
